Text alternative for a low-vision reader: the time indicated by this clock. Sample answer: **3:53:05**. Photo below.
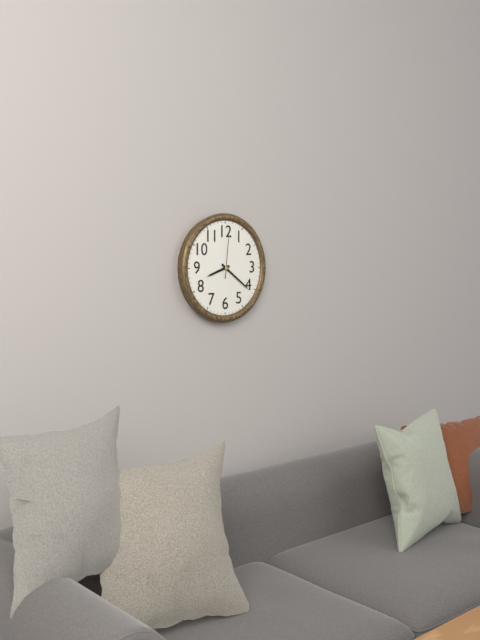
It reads **8:21:01**
